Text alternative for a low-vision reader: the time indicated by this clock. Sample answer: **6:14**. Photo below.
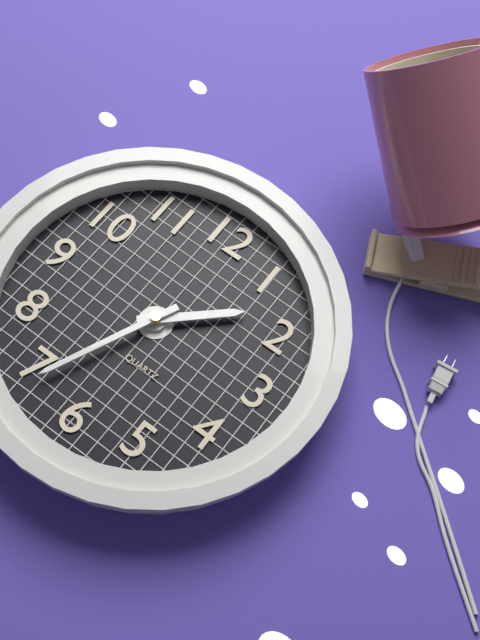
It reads **1:34**
